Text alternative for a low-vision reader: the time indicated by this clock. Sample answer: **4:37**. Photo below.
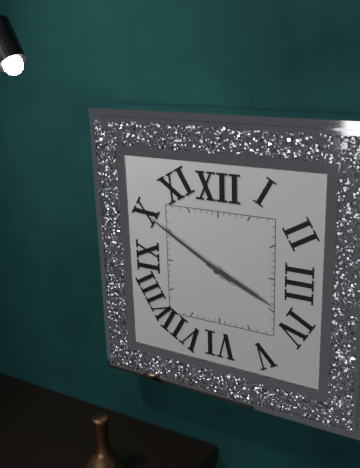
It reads **3:50**
